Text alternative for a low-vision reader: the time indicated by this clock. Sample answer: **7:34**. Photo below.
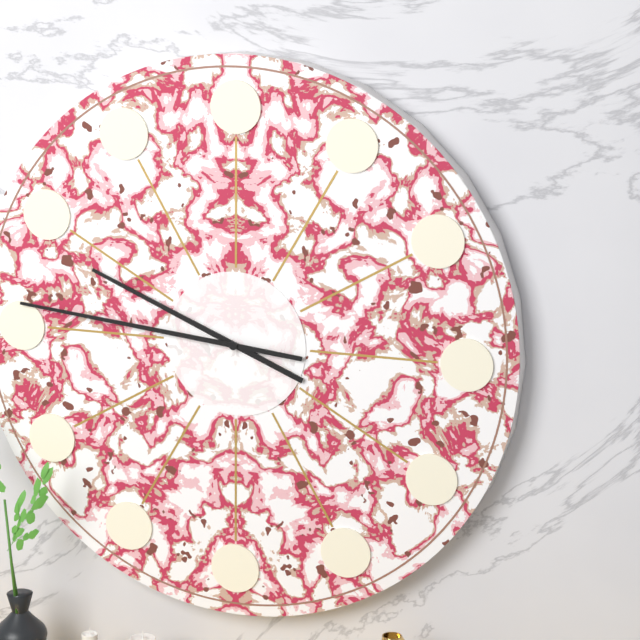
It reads **9:46**
